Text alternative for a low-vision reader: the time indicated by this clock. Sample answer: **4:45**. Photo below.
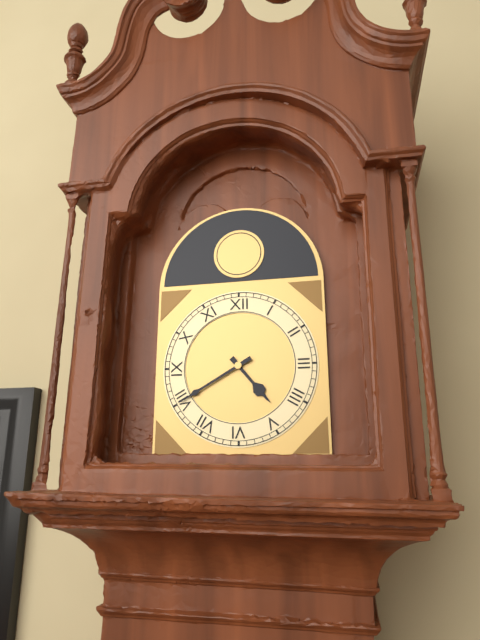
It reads **4:40**
